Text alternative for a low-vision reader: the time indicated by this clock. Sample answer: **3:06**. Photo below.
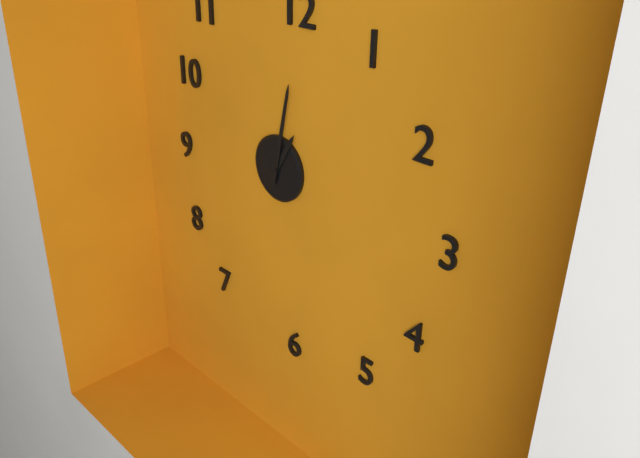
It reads **1:02**
